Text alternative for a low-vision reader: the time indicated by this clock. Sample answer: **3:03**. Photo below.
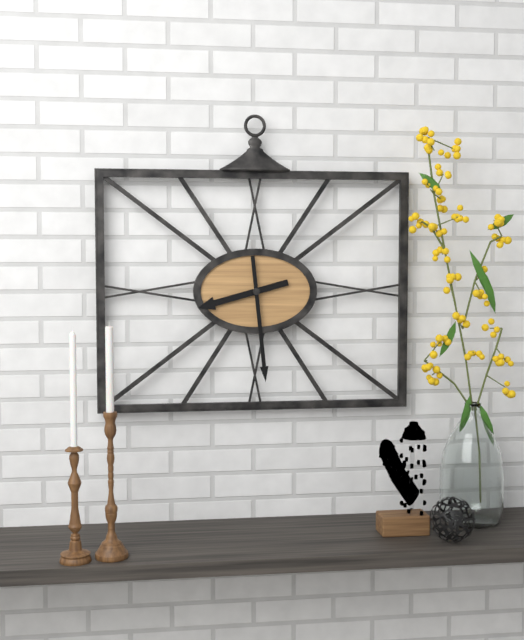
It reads **8:29**
